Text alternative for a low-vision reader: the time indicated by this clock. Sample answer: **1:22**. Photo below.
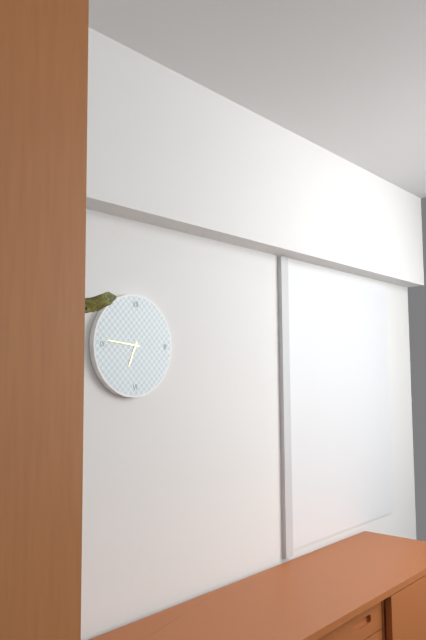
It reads **6:46**
